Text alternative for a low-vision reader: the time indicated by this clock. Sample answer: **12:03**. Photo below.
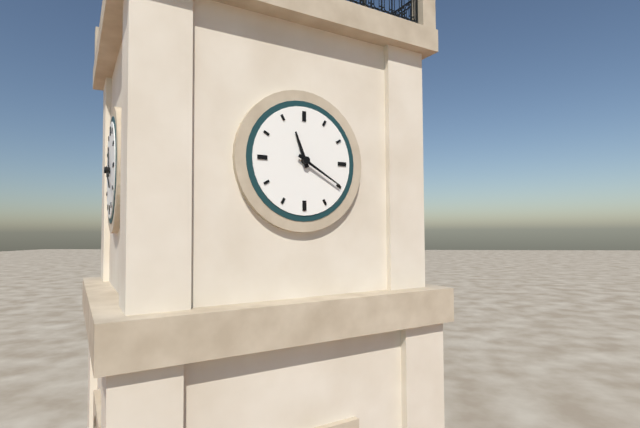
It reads **11:20**
